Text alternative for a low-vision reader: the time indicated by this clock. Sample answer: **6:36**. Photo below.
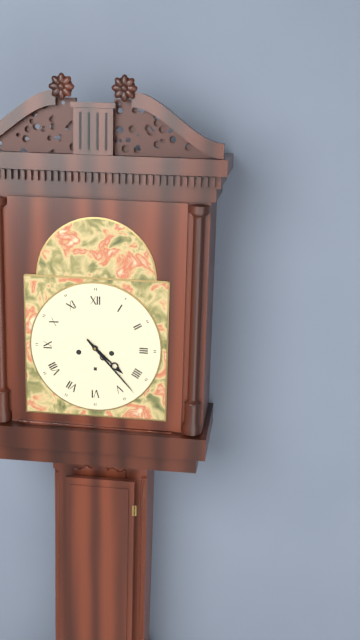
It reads **4:23**
